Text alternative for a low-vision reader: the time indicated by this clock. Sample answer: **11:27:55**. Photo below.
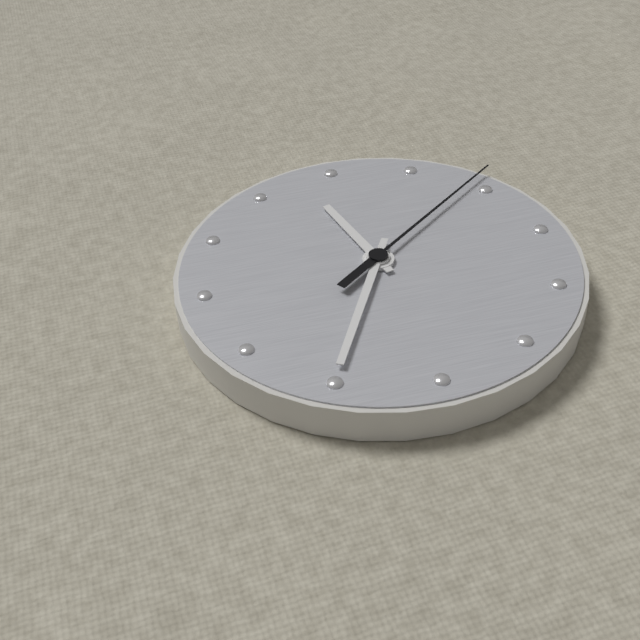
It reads **11:35:09**
